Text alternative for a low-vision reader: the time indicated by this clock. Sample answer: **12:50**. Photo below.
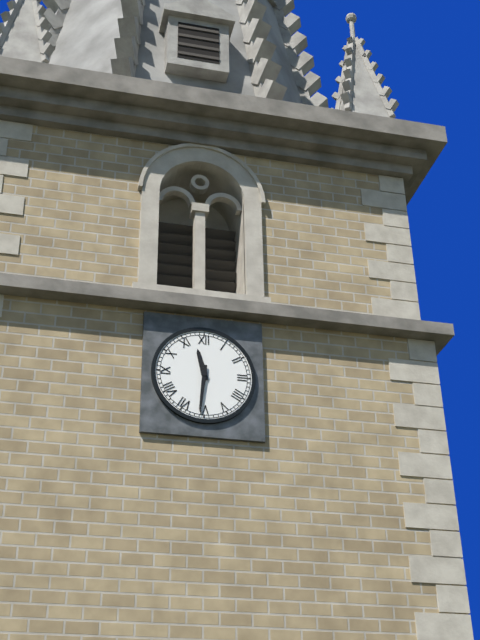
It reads **11:31**
